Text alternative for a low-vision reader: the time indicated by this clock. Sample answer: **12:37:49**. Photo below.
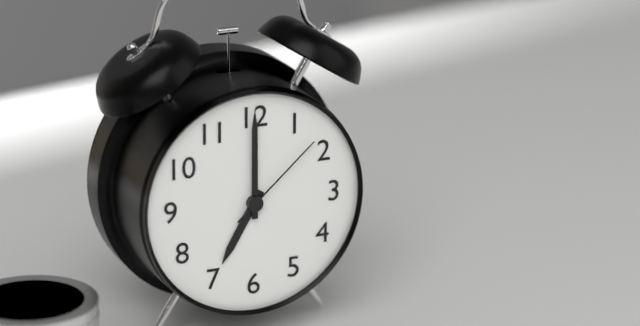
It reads **7:00:08**
